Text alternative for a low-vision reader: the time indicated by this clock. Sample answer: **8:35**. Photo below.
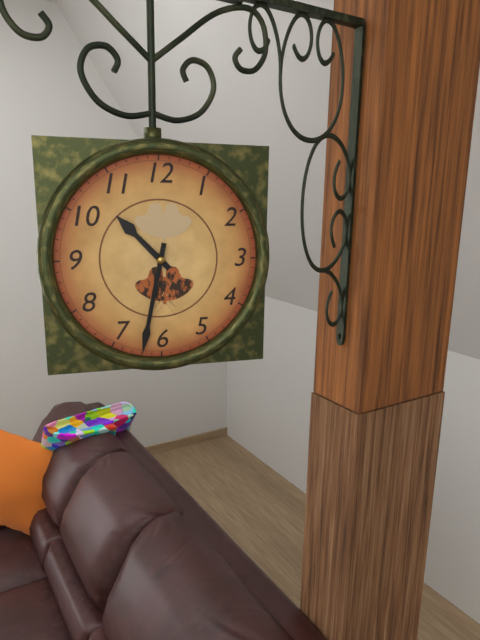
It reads **10:32**
